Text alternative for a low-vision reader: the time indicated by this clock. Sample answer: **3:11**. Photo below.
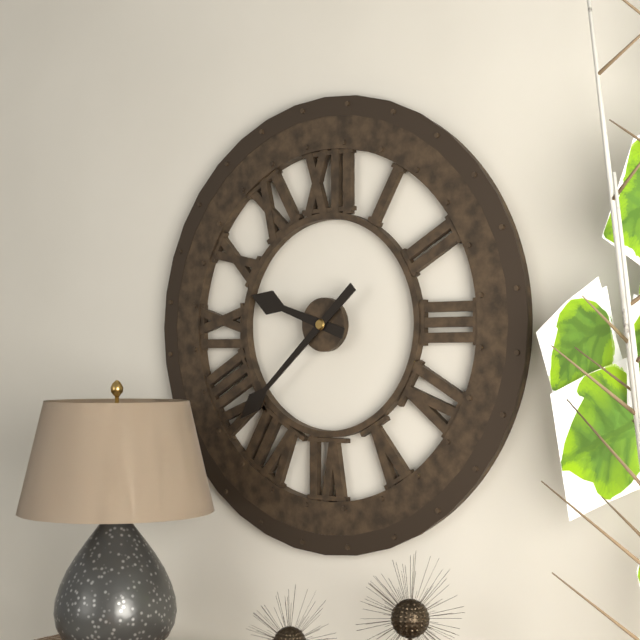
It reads **9:38**
